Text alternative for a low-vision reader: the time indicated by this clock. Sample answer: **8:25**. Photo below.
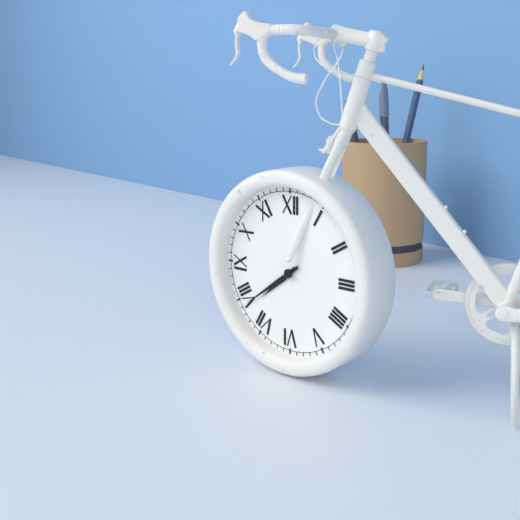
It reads **7:39**
